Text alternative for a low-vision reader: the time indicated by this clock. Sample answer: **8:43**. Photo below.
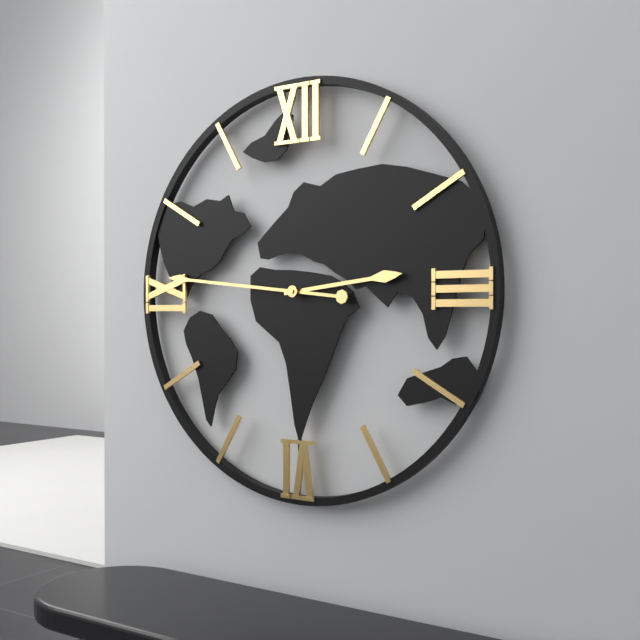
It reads **2:46**
